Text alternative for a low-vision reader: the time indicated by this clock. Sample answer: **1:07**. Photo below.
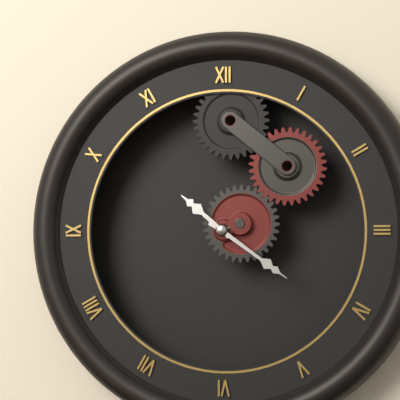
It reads **10:21**
